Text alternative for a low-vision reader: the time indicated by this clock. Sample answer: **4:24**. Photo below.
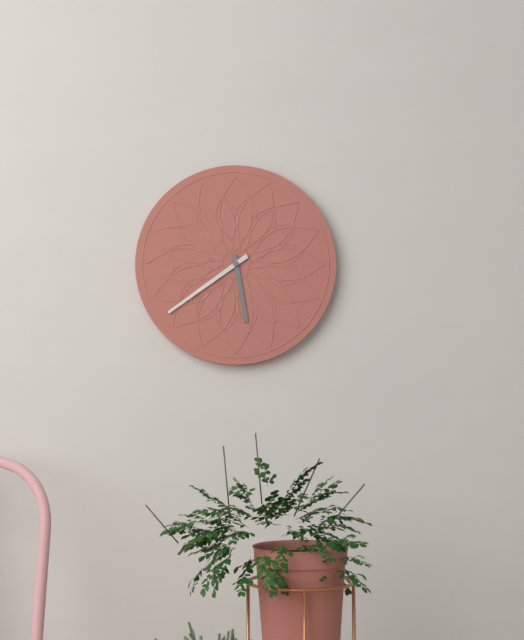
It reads **5:39**
